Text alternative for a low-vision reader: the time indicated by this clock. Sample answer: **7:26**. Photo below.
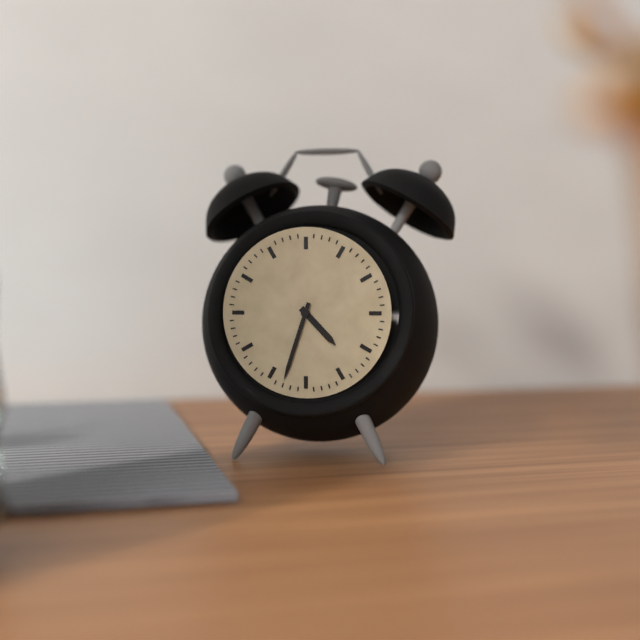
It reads **4:33**
